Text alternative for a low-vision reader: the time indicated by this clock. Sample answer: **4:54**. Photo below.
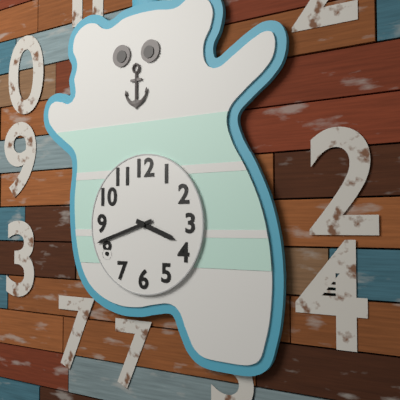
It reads **3:42**
